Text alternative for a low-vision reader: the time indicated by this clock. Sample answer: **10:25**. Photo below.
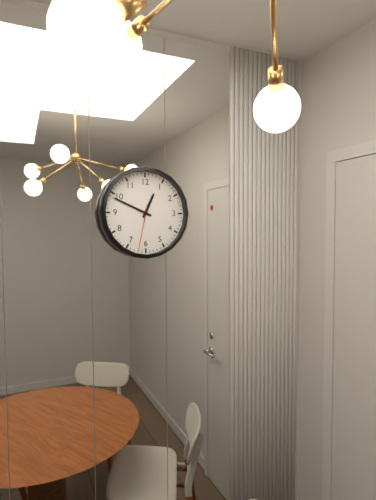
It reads **12:49**
